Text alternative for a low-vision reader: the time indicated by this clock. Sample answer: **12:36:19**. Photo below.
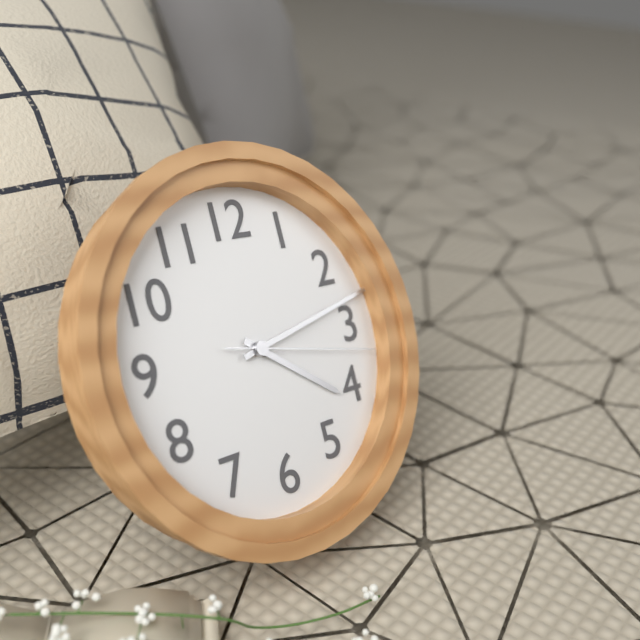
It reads **4:13:17**
